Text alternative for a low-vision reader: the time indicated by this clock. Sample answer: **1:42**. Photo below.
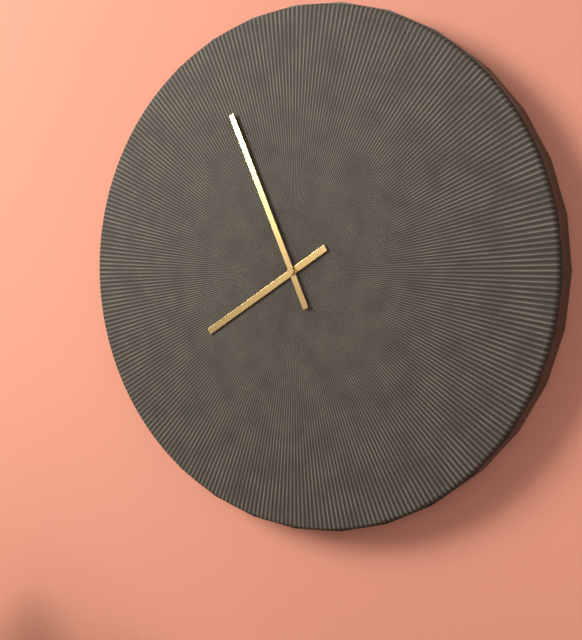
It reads **7:56**
